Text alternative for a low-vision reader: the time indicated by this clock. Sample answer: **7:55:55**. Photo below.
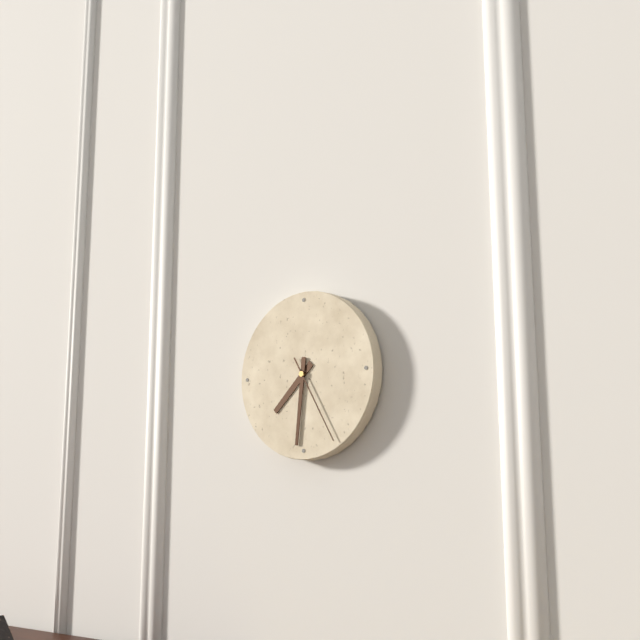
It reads **7:31:25**
